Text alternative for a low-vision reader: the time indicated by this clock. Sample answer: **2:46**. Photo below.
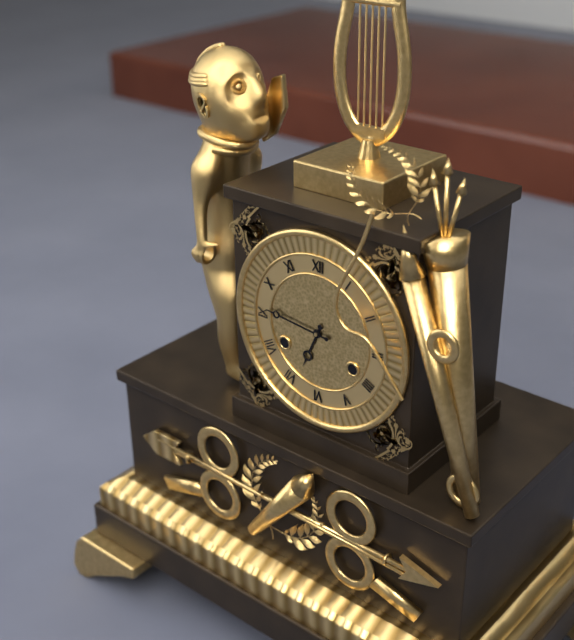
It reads **6:46**
